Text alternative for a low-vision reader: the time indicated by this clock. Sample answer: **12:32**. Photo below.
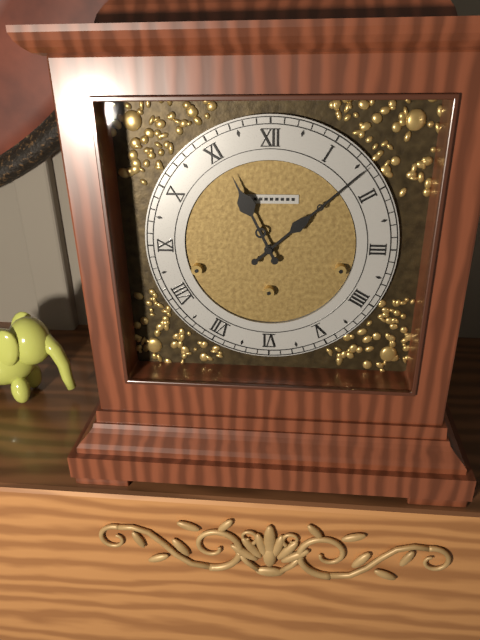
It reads **11:08**
